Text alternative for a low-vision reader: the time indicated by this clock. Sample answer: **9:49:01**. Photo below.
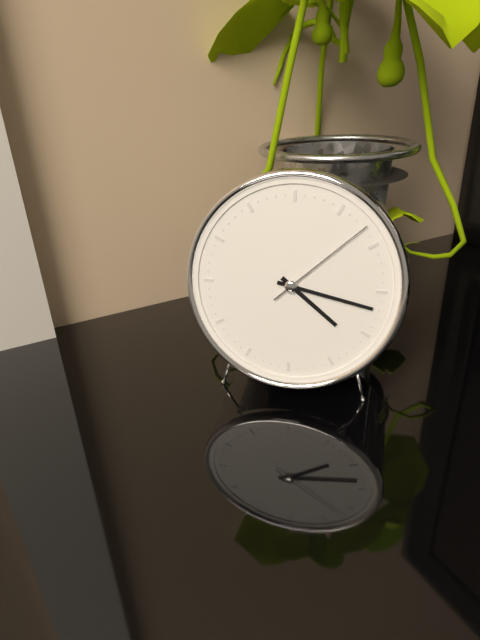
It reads **4:17:08**
